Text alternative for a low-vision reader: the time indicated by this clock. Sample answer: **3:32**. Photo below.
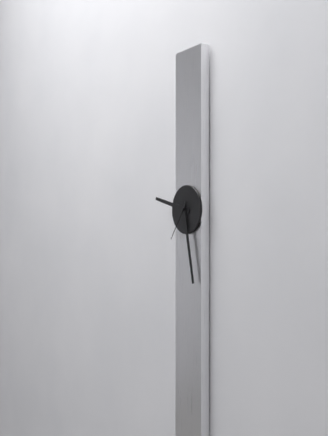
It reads **9:28**
